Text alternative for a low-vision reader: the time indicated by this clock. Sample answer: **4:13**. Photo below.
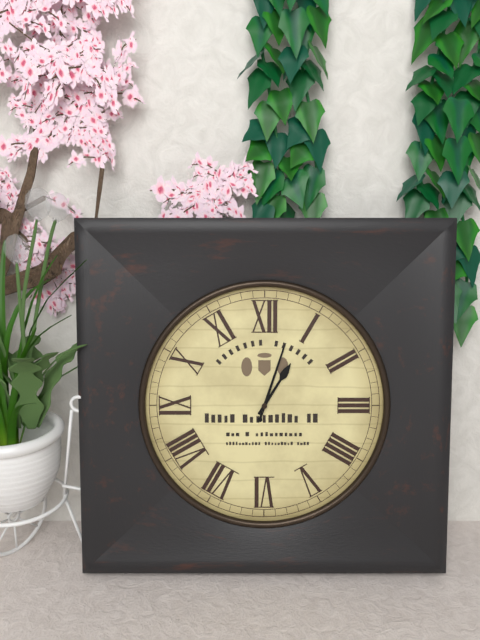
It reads **1:03**
